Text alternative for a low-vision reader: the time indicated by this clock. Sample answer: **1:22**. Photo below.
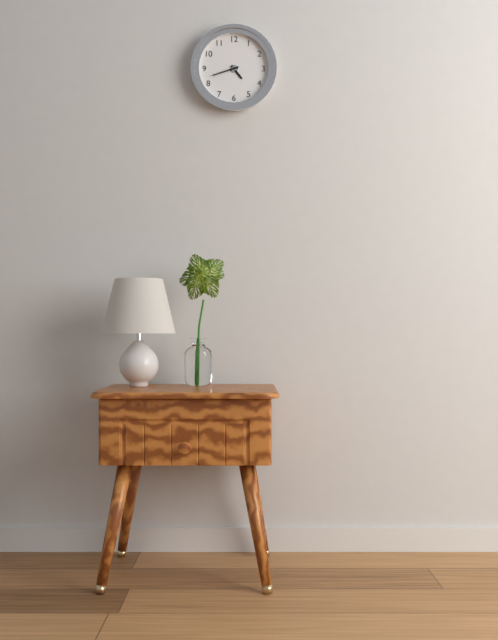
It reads **4:42**
